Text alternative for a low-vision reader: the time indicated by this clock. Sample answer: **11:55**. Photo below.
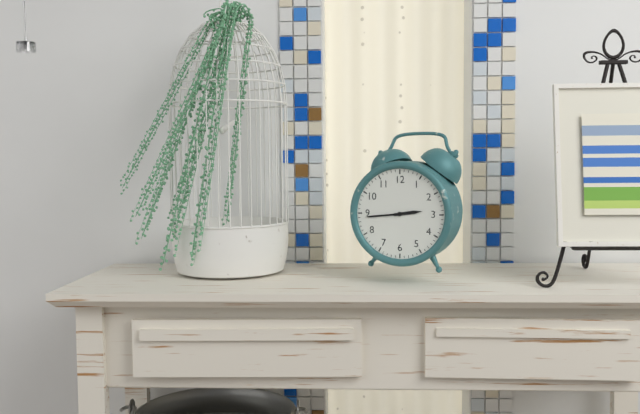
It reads **2:44**
